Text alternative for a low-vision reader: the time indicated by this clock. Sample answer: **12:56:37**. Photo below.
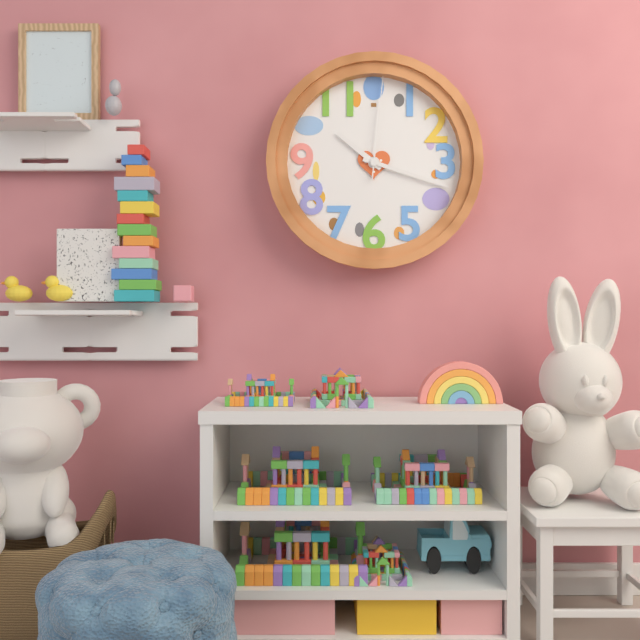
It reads **10:18:01**
